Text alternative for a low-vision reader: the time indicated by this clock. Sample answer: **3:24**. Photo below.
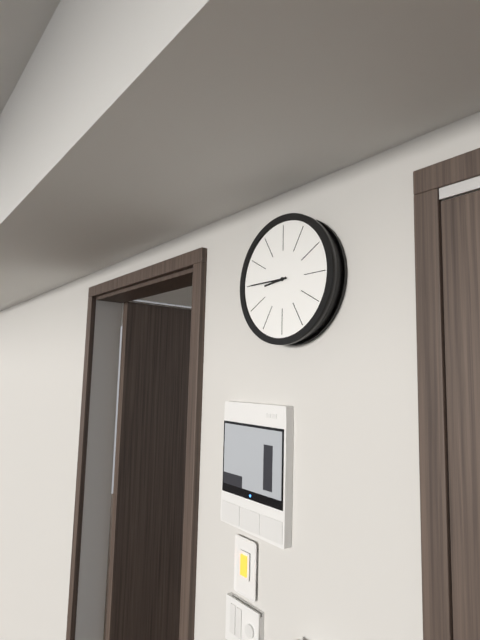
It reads **8:45**
